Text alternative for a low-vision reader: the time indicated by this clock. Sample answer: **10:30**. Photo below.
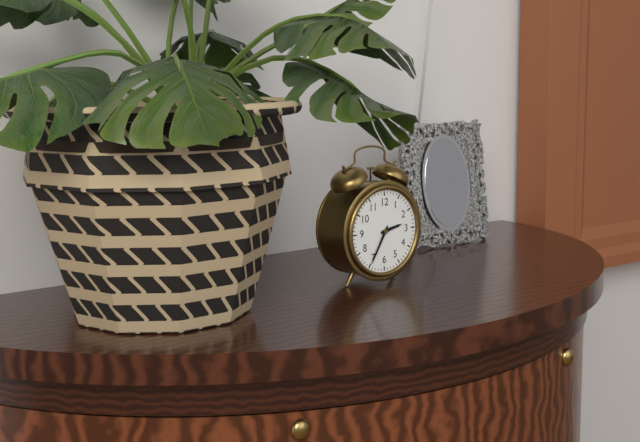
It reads **2:35**
